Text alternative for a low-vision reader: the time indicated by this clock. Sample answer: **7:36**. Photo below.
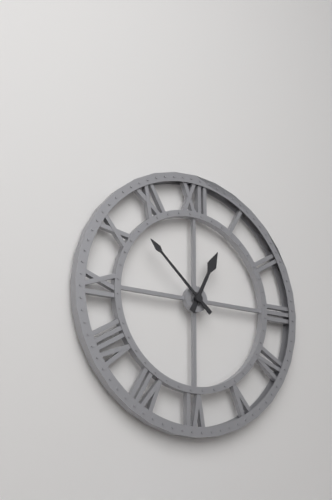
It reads **12:52**
